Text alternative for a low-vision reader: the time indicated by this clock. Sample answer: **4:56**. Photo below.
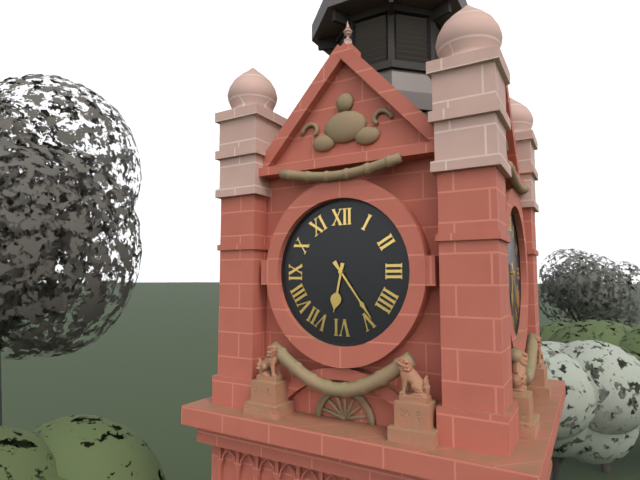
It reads **6:24**
